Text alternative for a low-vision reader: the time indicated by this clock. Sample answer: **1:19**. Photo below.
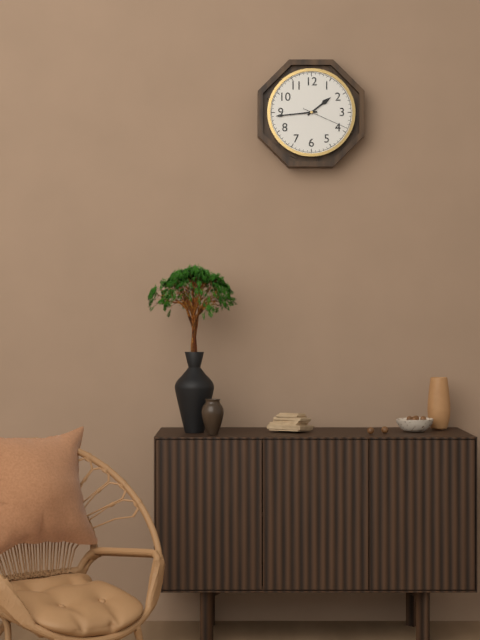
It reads **1:44**
